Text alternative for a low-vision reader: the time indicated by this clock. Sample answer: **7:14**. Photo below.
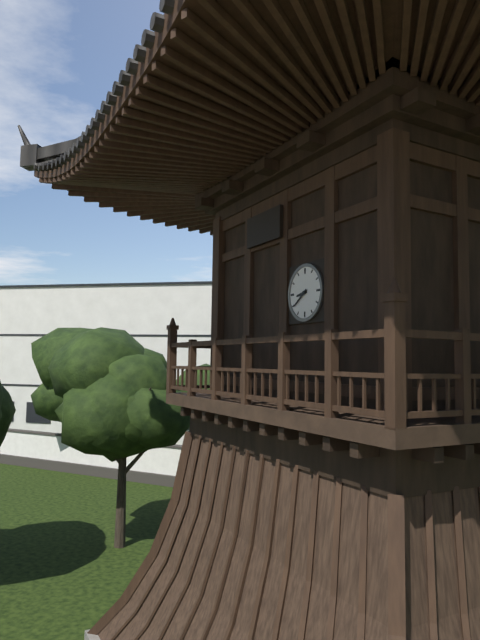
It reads **8:39**
